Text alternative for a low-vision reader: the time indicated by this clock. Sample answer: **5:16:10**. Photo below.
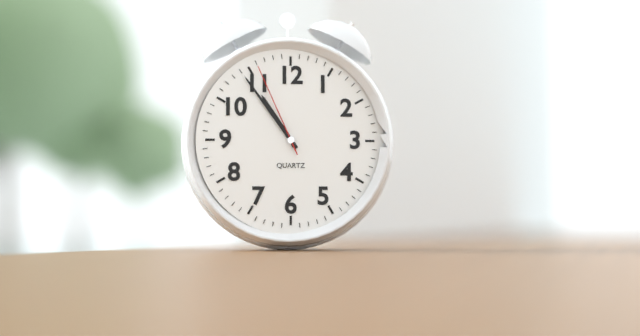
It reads **10:54:56**
